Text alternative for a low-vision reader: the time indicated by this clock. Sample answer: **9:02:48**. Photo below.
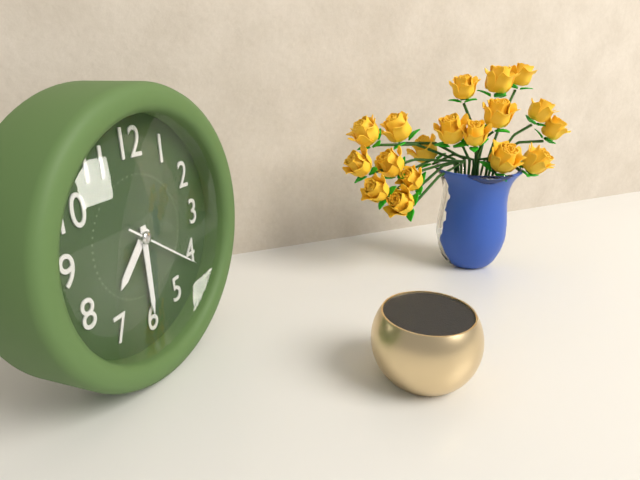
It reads **7:30:21**
